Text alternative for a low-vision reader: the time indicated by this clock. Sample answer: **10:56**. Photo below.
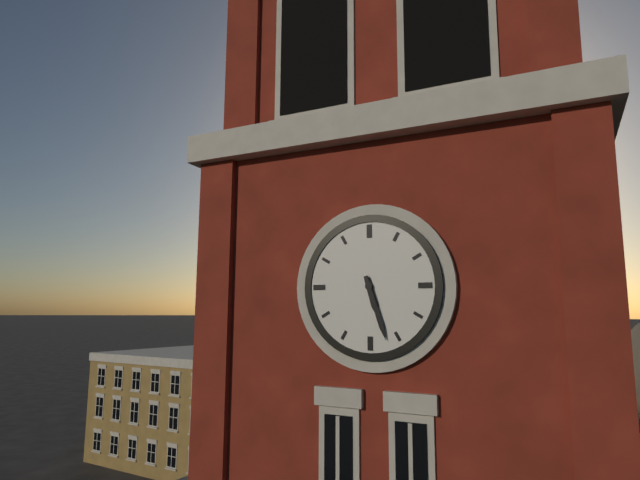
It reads **5:27**
